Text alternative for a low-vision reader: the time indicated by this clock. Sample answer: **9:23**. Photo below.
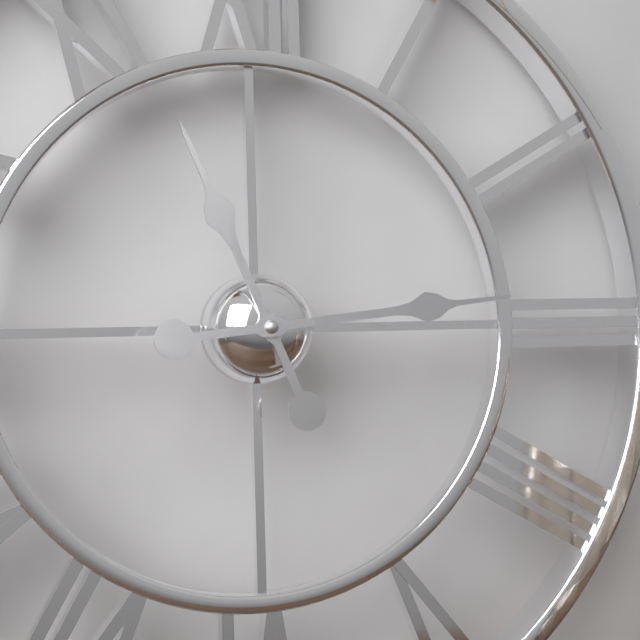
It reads **11:14**
